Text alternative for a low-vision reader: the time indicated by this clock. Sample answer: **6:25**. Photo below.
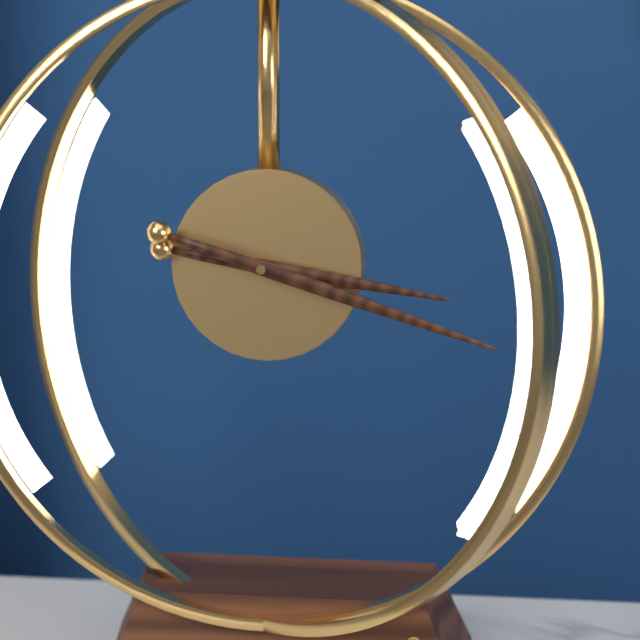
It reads **3:18**
